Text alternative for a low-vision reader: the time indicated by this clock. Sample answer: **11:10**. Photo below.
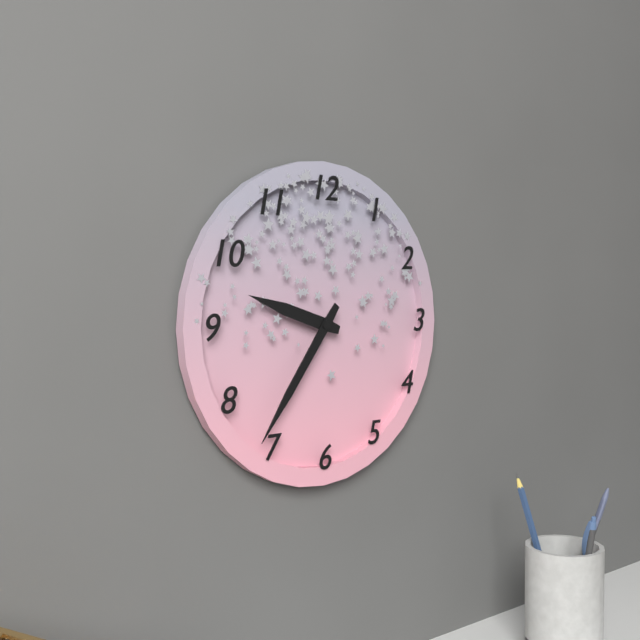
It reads **9:36**
